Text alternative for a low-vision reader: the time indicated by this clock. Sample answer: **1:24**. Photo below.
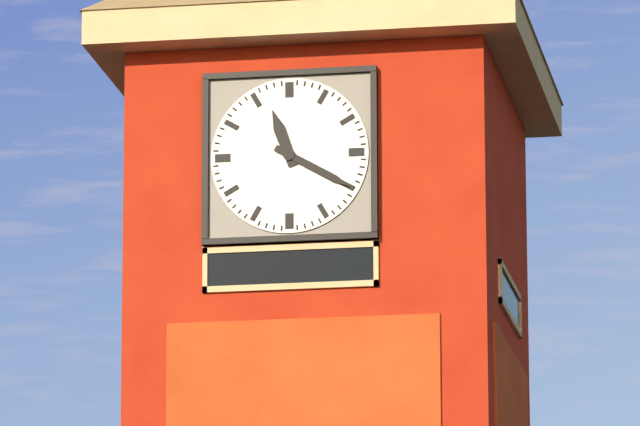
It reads **11:20**
